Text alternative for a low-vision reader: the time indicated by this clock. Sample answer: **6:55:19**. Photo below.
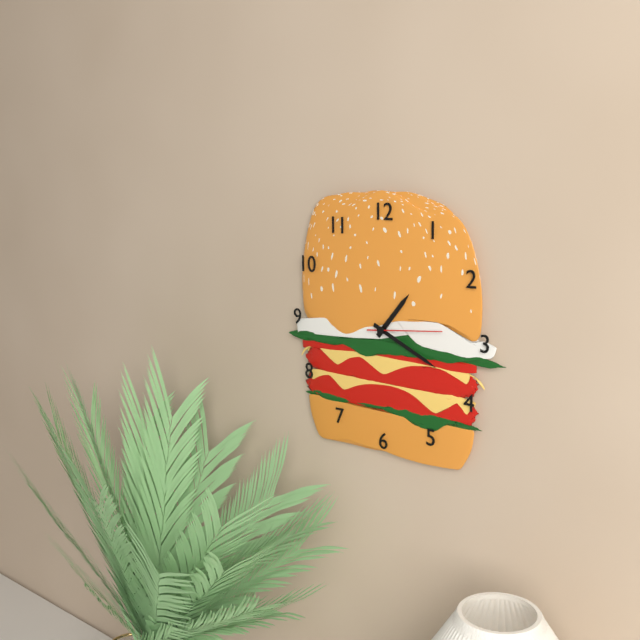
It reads **1:19:14**
